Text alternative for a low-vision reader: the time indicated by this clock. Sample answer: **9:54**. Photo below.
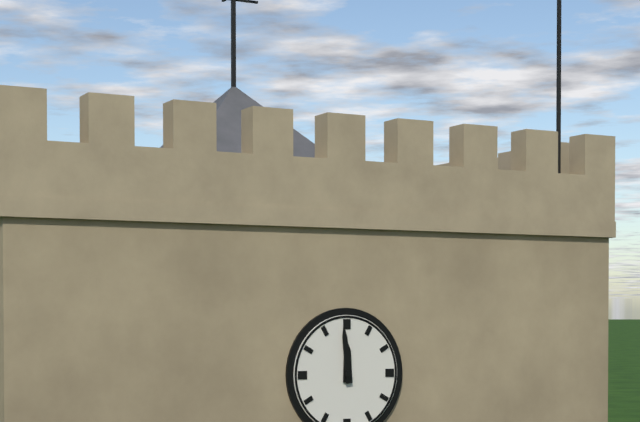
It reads **11:59**
